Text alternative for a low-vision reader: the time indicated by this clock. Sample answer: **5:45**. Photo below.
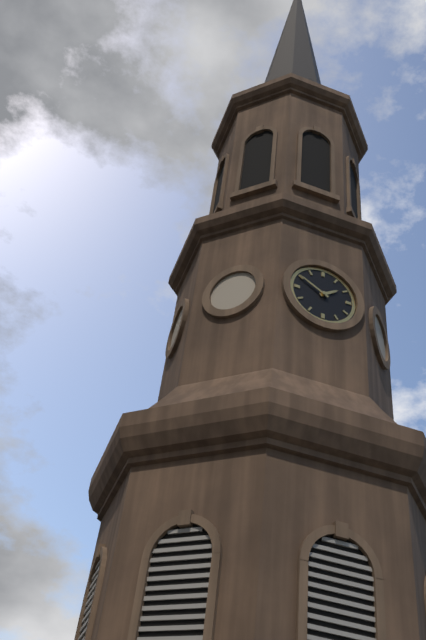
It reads **1:50**
